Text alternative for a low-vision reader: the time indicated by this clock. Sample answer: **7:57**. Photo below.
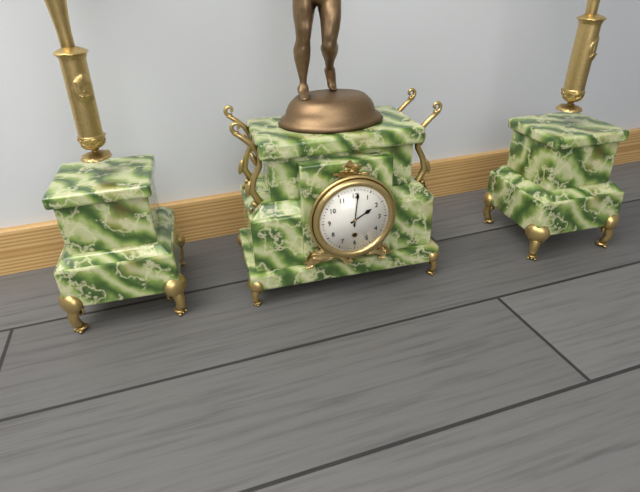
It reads **2:01**
